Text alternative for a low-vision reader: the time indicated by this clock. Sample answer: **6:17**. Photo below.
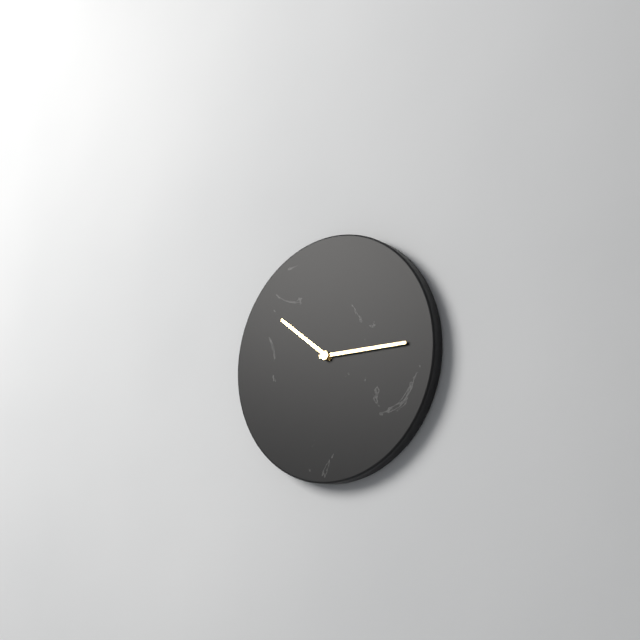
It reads **10:15**
